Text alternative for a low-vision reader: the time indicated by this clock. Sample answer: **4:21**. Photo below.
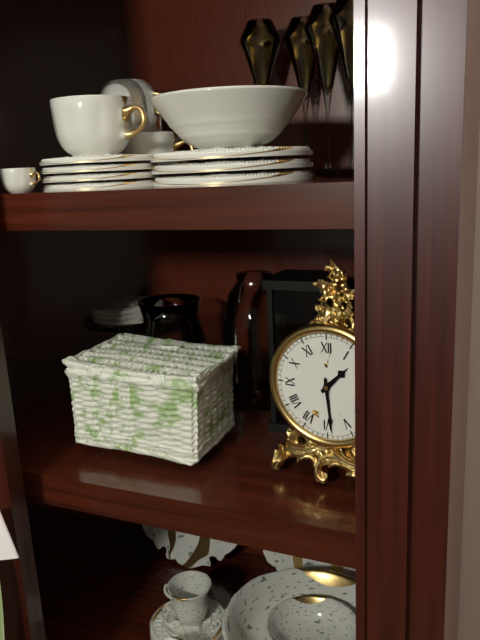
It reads **1:29**
